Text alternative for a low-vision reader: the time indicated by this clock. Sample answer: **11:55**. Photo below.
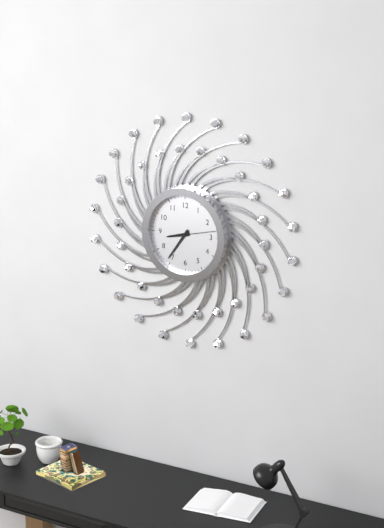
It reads **8:36**
